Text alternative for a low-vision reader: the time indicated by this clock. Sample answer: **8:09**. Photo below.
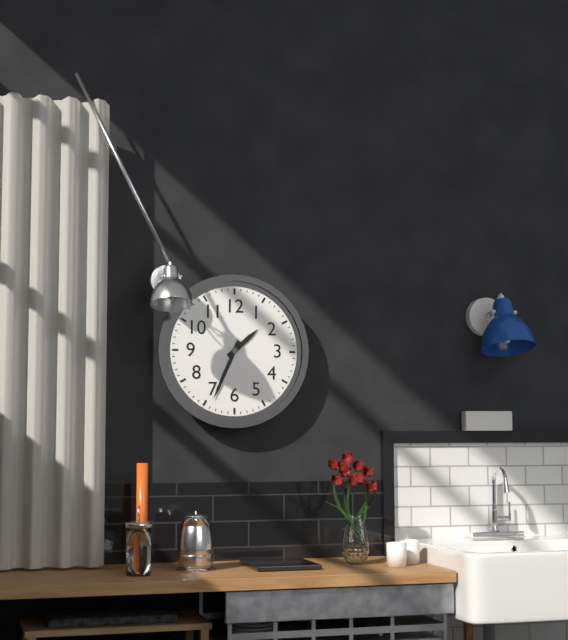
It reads **1:34**
